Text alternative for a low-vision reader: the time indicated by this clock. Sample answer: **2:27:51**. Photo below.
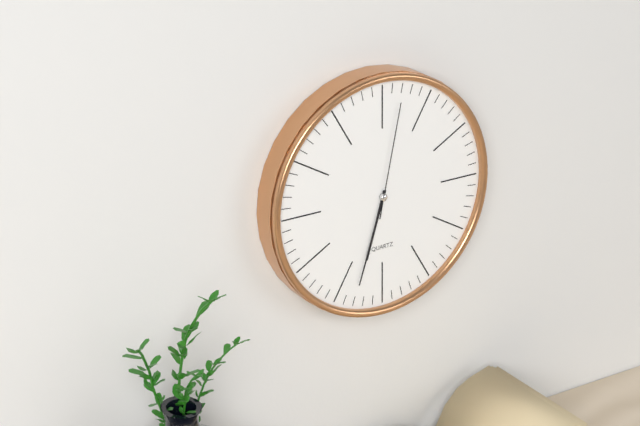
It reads **6:33:02**
